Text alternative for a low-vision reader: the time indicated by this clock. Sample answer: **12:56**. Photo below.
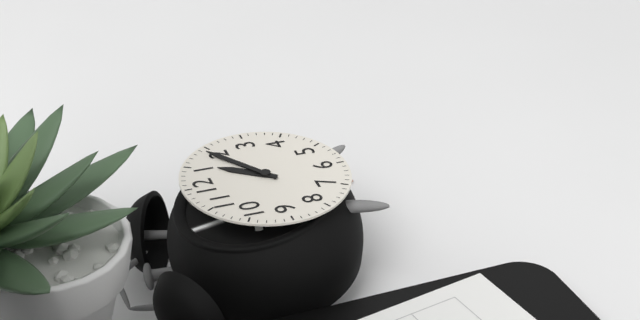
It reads **1:09**
